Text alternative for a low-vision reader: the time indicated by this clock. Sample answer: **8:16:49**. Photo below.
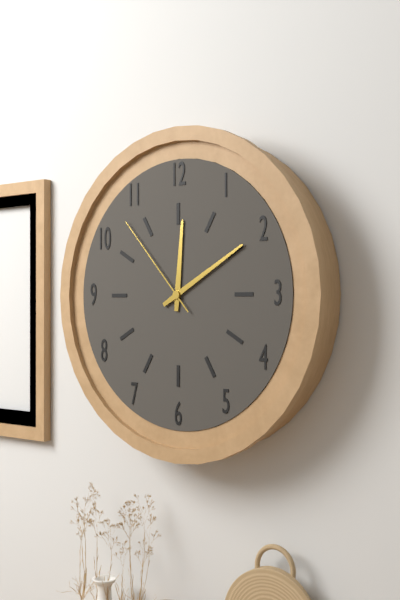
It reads **12:10:53**
